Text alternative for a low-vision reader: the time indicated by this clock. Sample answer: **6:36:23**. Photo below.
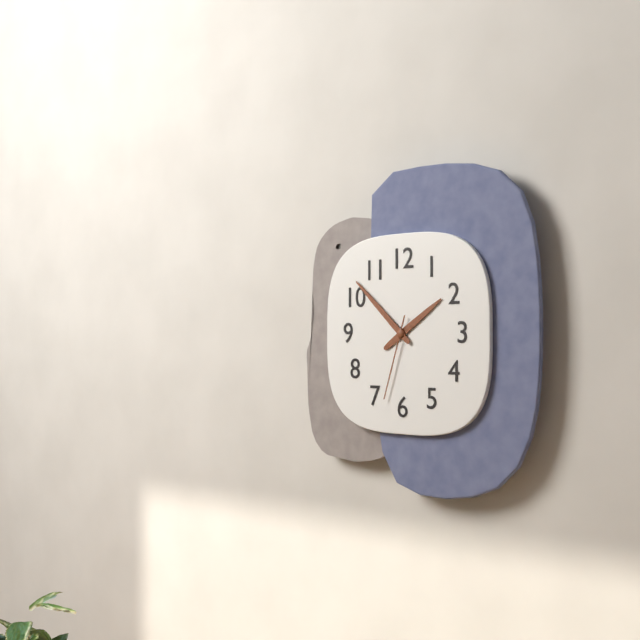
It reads **1:52:33**
